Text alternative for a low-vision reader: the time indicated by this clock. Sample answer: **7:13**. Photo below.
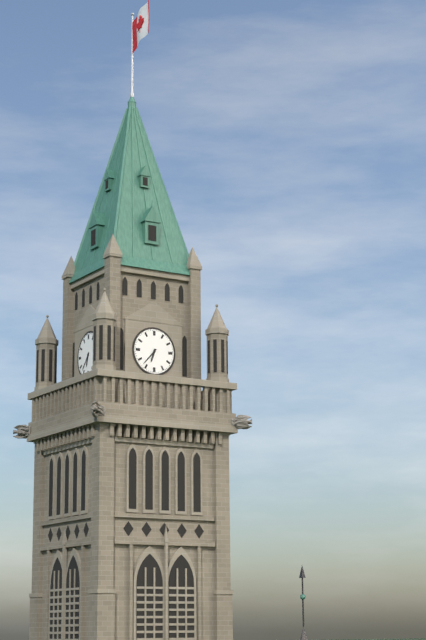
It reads **6:37**
